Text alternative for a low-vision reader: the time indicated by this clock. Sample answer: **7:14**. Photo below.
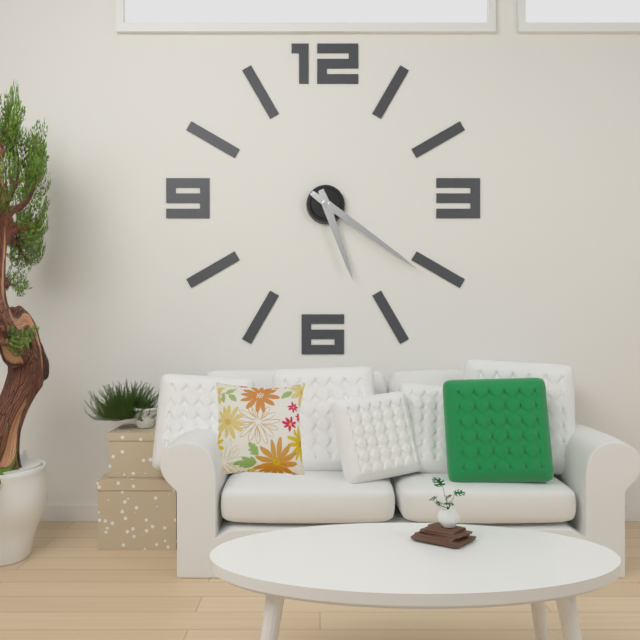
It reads **5:21**
